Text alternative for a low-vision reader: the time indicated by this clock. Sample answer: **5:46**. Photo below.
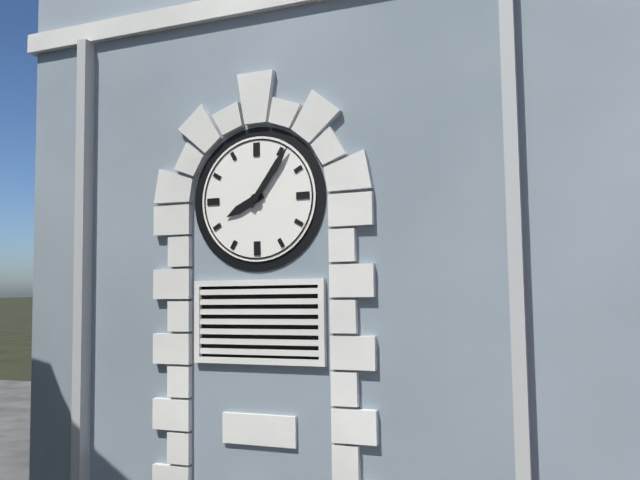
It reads **8:06**
